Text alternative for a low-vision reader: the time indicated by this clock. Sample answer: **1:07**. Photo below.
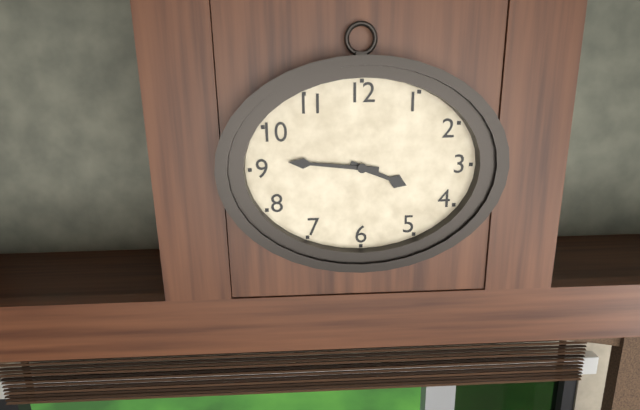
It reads **3:46**
